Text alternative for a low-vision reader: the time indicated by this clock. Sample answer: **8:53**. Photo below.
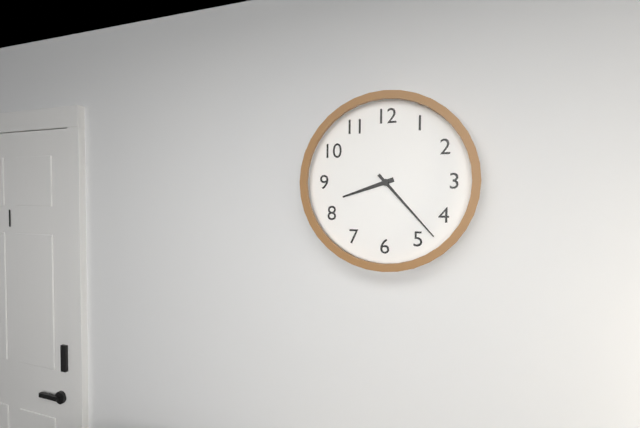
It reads **8:23**
